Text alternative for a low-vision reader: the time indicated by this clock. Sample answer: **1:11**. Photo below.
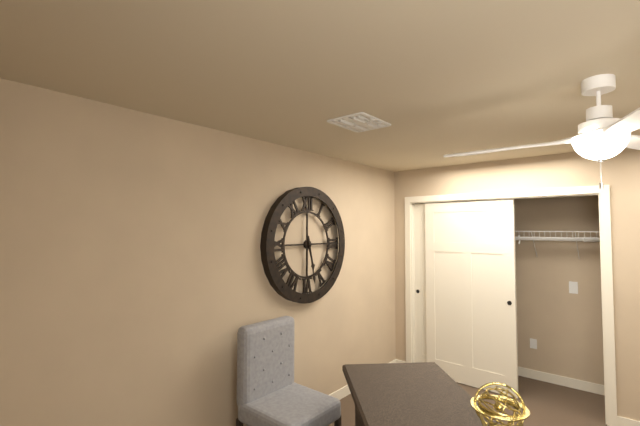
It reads **5:28**
